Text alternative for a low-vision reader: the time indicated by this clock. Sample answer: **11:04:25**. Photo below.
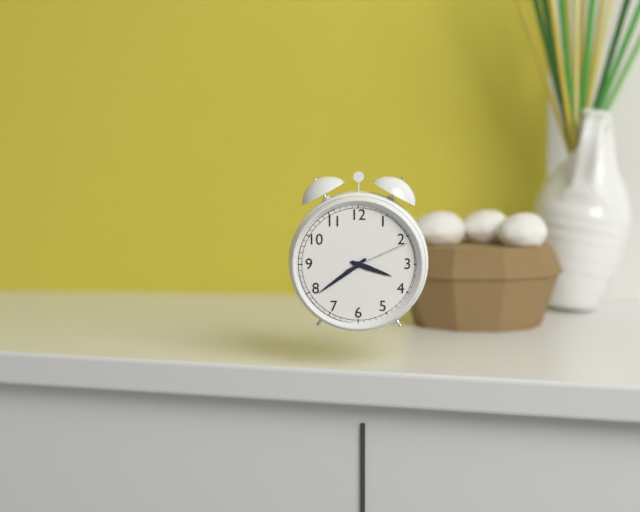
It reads **3:39:11**
